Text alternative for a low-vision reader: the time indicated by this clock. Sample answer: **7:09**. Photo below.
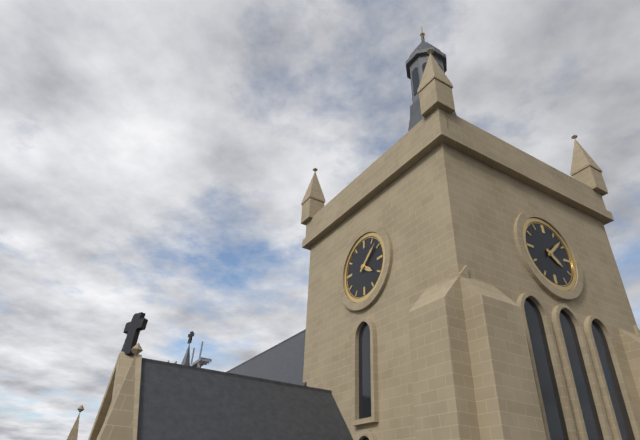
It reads **4:08**
